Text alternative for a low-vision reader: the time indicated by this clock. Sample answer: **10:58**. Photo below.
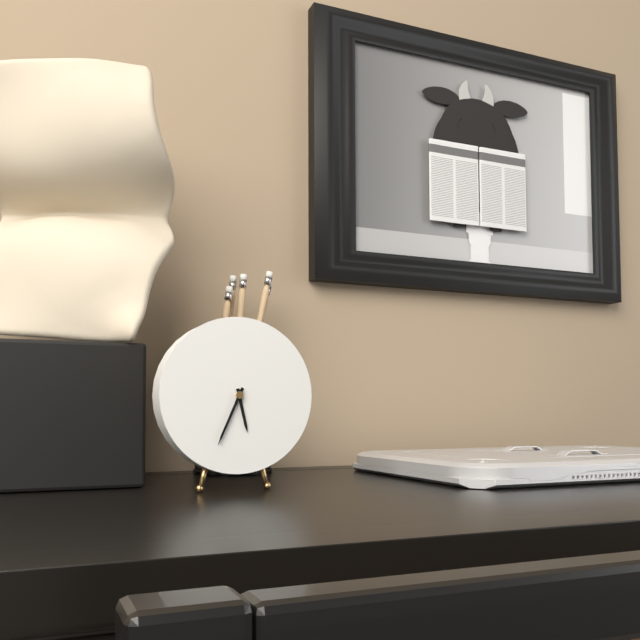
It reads **5:34**
